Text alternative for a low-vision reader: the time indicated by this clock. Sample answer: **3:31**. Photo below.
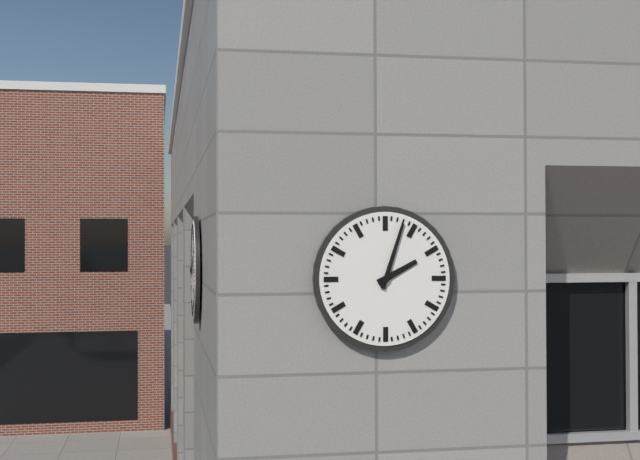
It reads **2:03**
